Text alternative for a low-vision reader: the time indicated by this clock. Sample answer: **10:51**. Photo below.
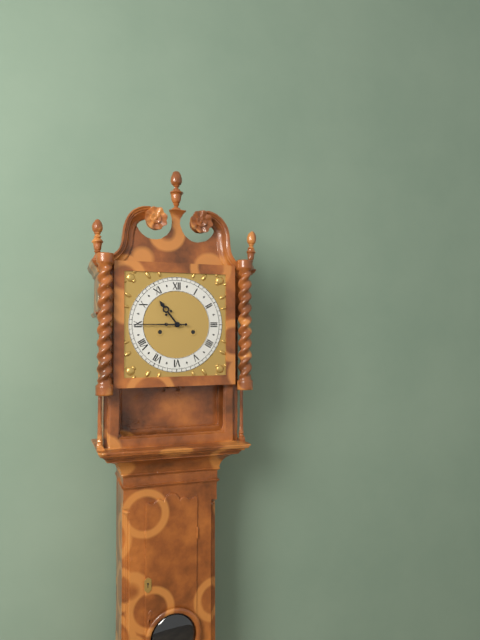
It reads **10:45**
